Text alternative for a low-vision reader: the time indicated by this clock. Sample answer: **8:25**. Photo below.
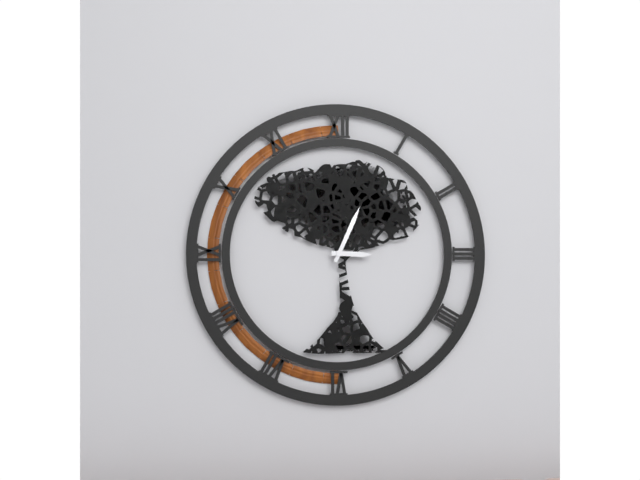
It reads **3:04**
